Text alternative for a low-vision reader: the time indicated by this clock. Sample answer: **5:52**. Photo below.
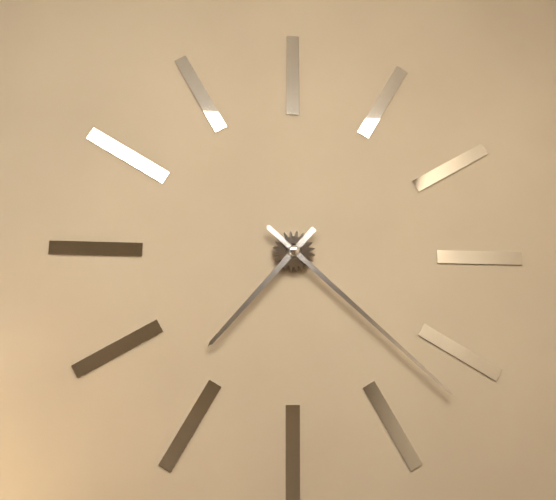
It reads **7:22**
